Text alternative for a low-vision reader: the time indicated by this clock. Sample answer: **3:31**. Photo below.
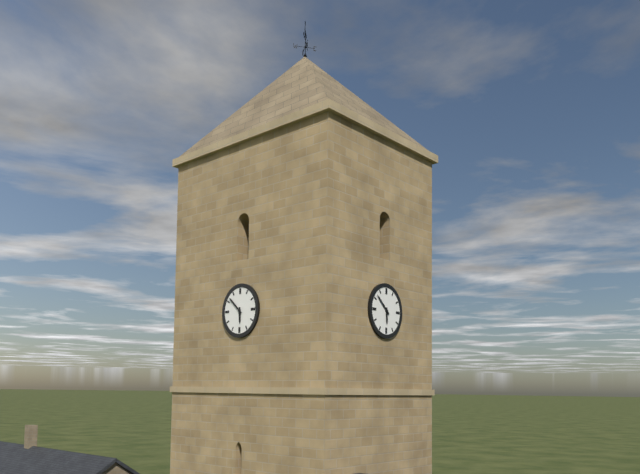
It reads **5:52**
